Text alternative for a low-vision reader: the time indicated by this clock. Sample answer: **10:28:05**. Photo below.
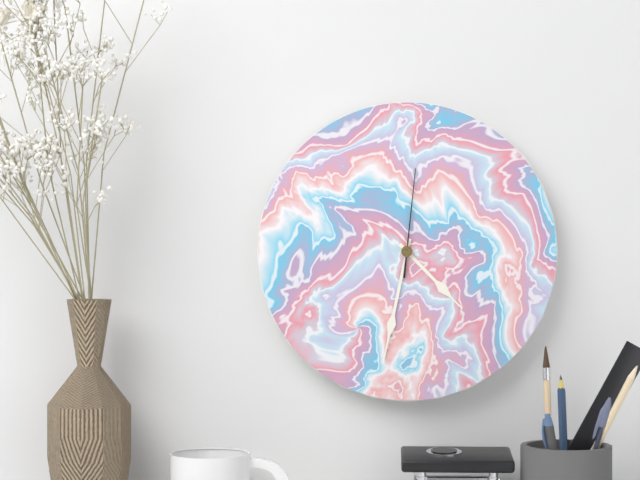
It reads **4:32:01**
